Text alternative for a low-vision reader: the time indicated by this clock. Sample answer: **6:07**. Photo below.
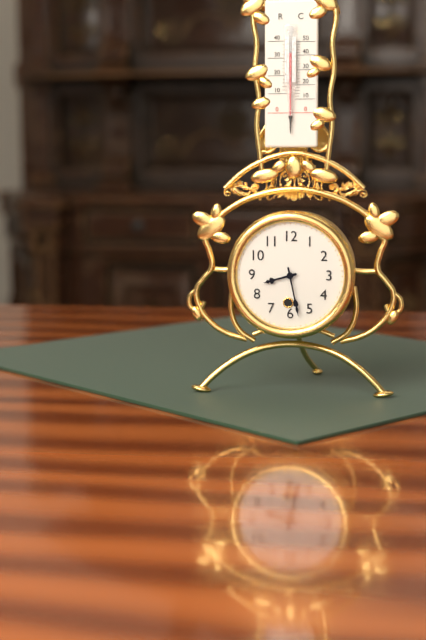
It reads **8:28**
